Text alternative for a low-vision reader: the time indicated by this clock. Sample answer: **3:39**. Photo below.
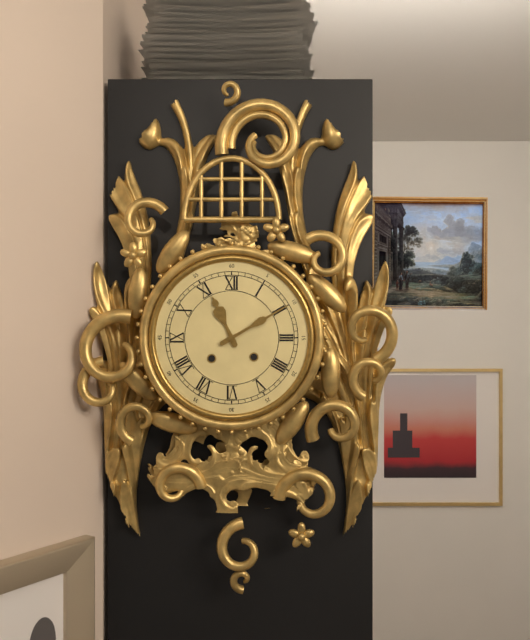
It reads **11:10**
